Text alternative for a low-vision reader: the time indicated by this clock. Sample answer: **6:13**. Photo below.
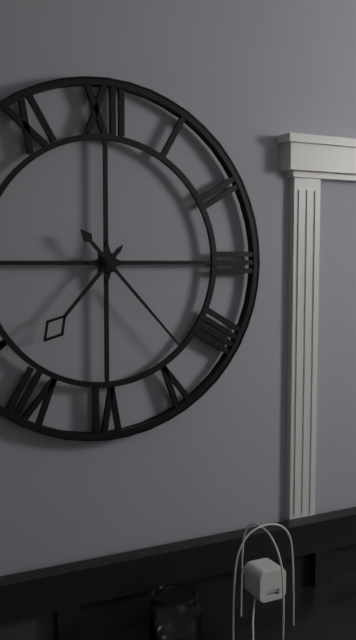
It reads **7:23**
